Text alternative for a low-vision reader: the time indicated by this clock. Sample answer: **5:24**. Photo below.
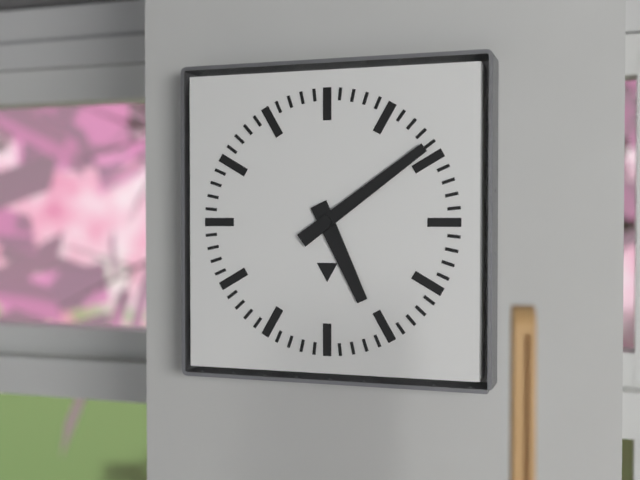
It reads **5:09**
